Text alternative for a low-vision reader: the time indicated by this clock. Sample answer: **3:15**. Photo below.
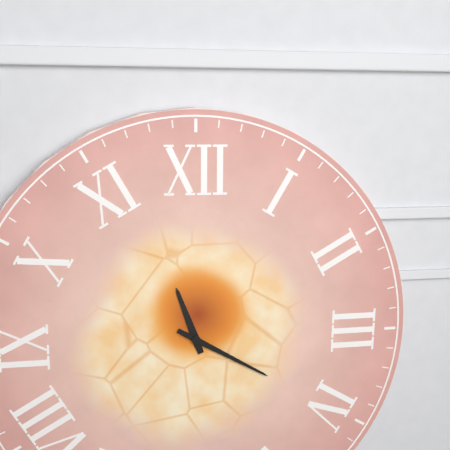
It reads **11:20**
